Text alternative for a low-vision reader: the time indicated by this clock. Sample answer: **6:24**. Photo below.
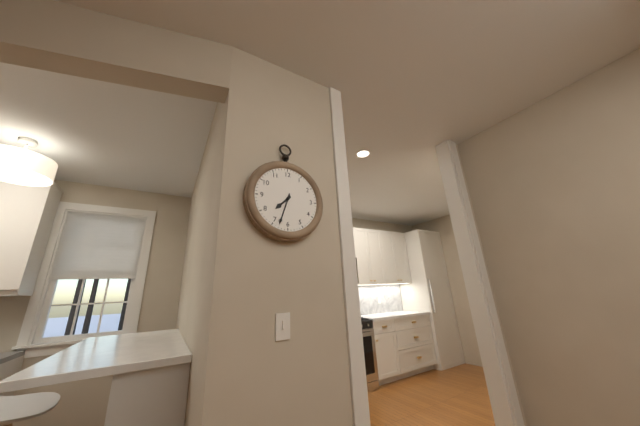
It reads **7:33**
